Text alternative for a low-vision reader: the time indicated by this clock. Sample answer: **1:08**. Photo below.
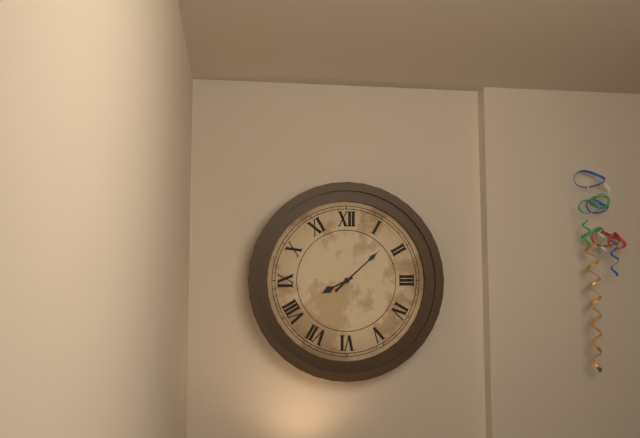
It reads **8:08**
